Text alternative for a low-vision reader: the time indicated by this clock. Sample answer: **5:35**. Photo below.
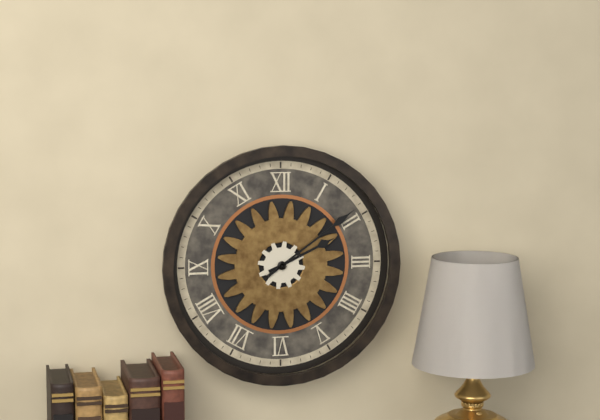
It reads **2:09**
